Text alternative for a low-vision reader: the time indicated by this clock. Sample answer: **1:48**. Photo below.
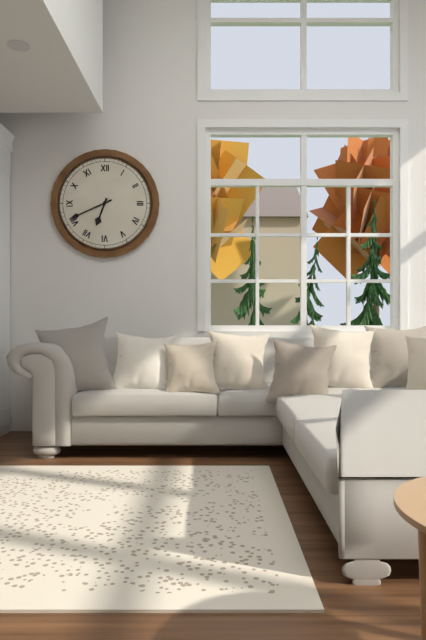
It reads **6:41**
